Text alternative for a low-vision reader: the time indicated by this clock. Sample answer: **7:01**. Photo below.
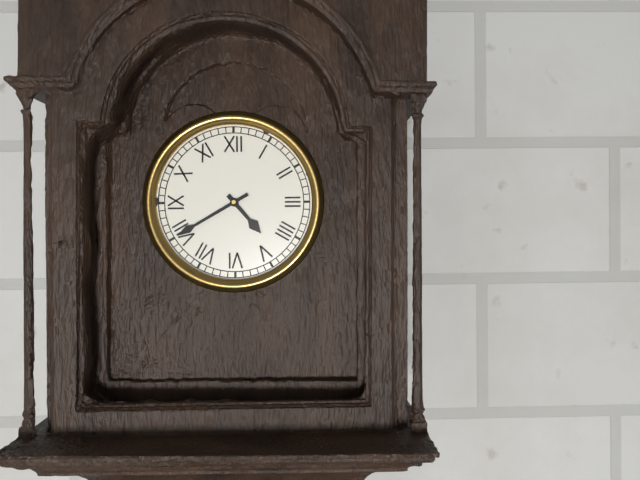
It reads **4:40**
